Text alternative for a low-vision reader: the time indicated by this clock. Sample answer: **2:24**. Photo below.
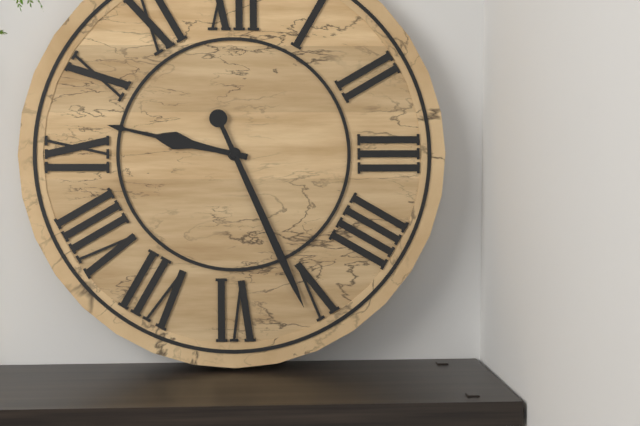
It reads **9:26**
